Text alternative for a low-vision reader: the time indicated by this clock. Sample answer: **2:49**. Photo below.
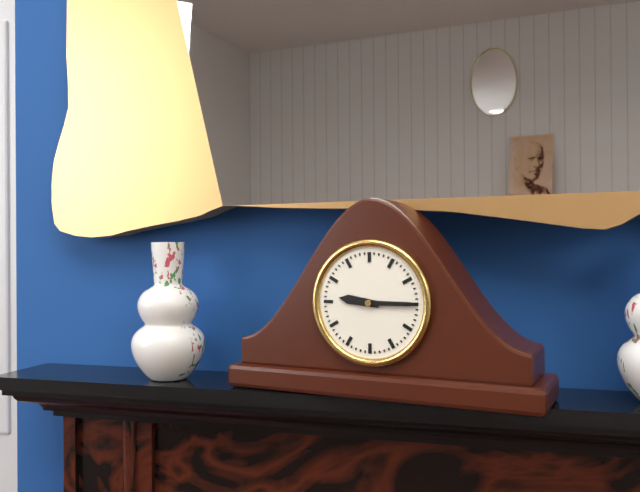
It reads **9:15**
